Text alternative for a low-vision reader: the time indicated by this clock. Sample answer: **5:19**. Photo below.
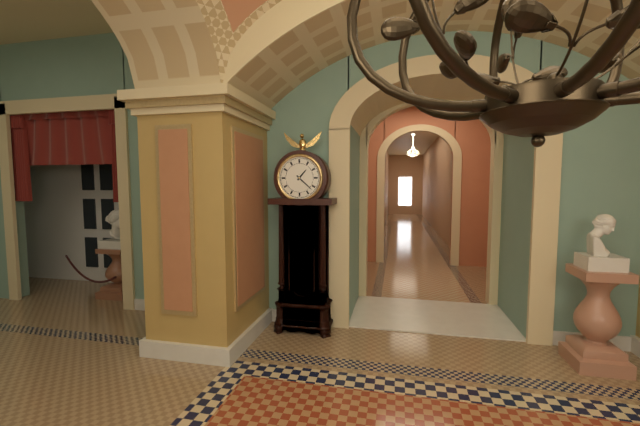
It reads **1:22**
